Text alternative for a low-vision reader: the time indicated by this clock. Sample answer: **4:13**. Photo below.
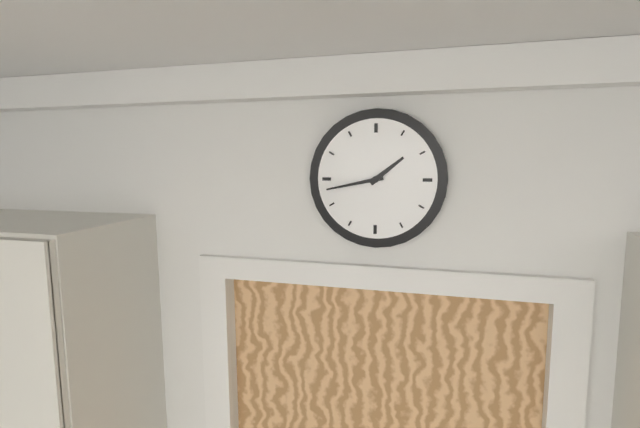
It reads **1:43**
